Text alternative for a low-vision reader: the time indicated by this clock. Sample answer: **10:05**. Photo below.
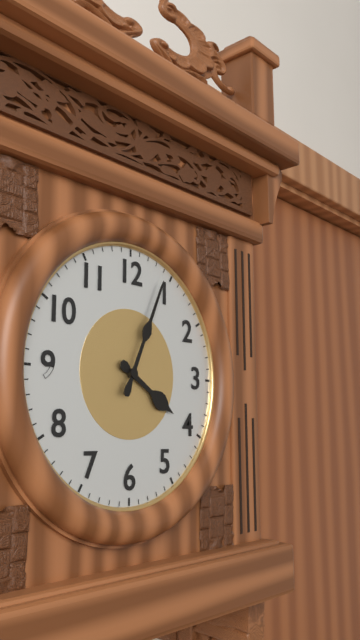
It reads **4:04**
